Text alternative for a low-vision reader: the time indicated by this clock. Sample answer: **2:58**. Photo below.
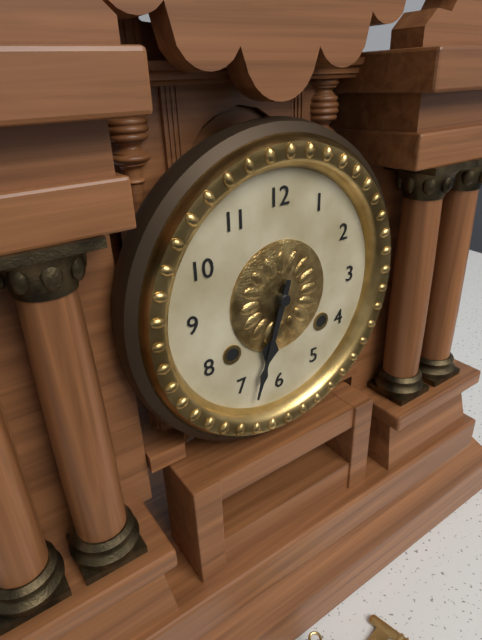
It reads **6:33**
